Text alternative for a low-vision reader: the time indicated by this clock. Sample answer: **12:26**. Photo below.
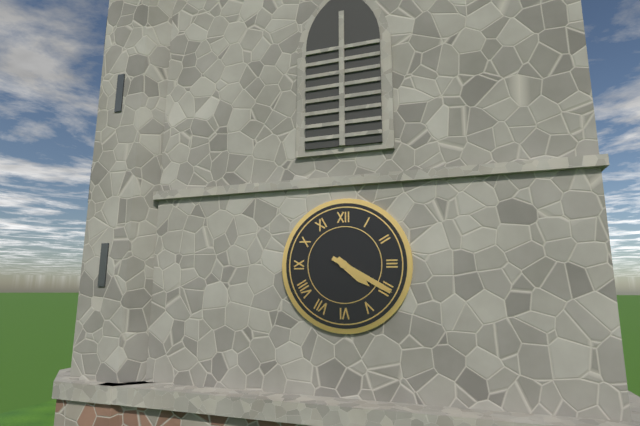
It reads **4:20**
